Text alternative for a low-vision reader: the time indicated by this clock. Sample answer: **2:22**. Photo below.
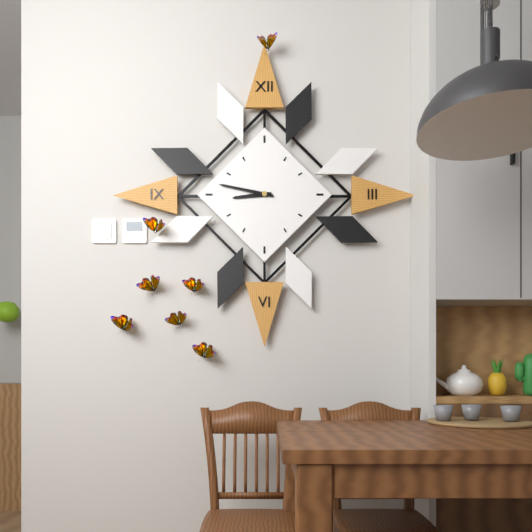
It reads **8:47**
